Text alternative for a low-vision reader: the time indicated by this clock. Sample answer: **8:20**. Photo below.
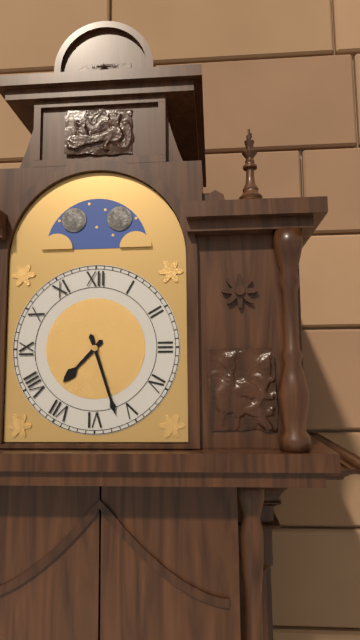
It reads **7:27**
